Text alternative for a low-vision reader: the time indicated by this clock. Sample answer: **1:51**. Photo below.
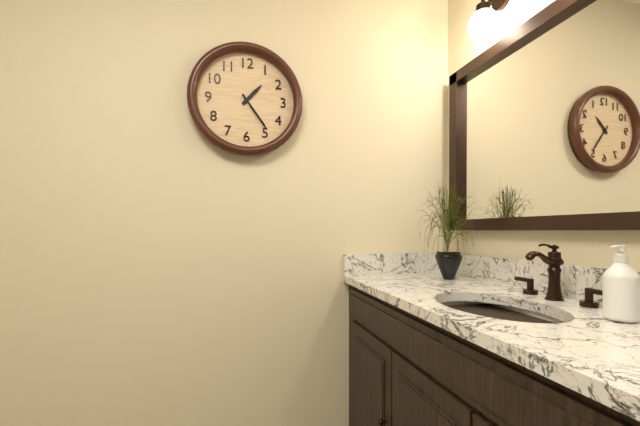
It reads **1:24**
